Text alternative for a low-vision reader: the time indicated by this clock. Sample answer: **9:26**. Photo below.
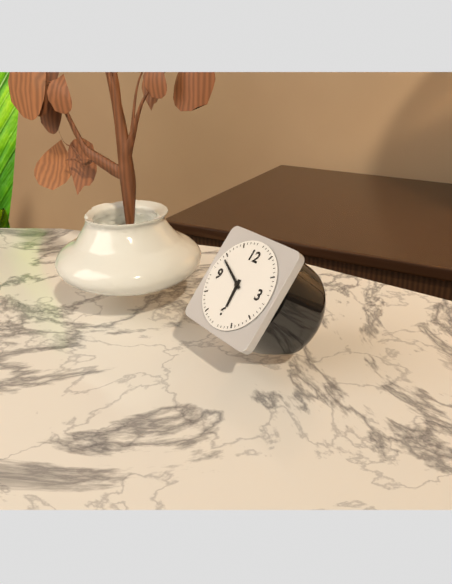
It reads **5:49**
